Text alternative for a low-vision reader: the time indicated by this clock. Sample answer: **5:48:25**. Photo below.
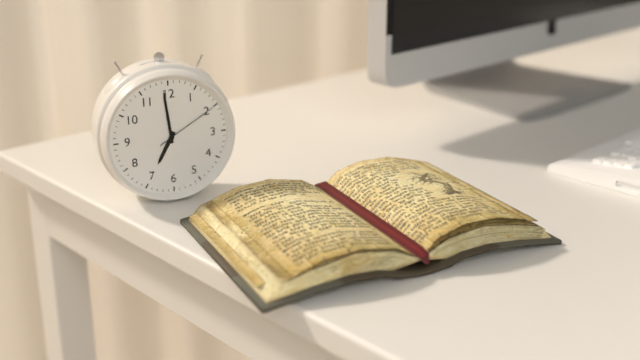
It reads **6:59:10**
